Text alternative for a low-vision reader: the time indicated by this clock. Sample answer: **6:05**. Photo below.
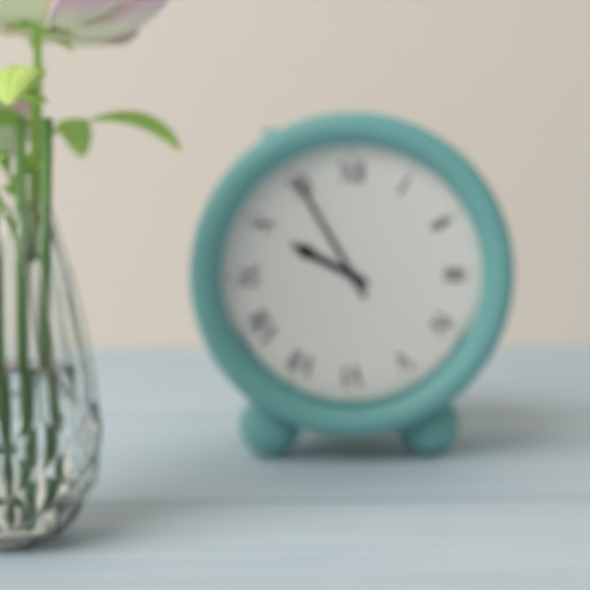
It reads **9:55**
